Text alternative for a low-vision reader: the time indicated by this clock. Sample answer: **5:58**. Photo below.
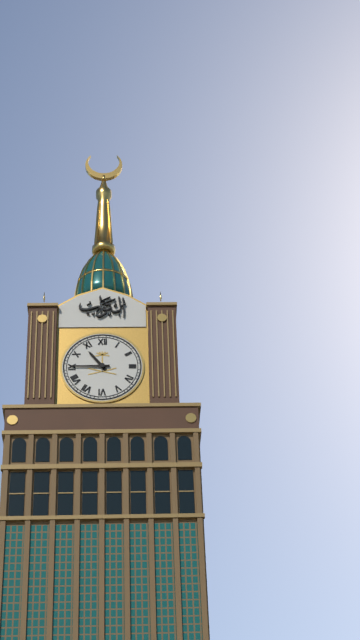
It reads **10:45**
